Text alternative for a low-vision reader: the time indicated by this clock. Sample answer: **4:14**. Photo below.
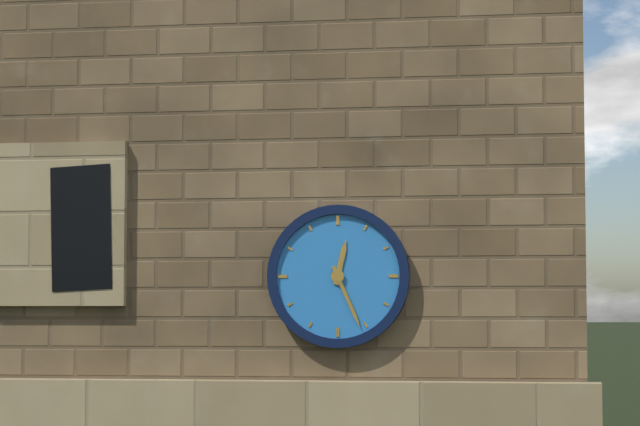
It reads **12:26**
